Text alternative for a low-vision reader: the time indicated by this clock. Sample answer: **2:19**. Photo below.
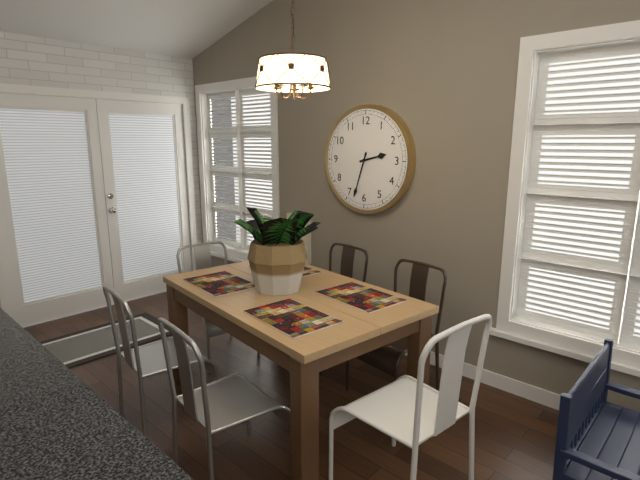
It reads **2:33**
